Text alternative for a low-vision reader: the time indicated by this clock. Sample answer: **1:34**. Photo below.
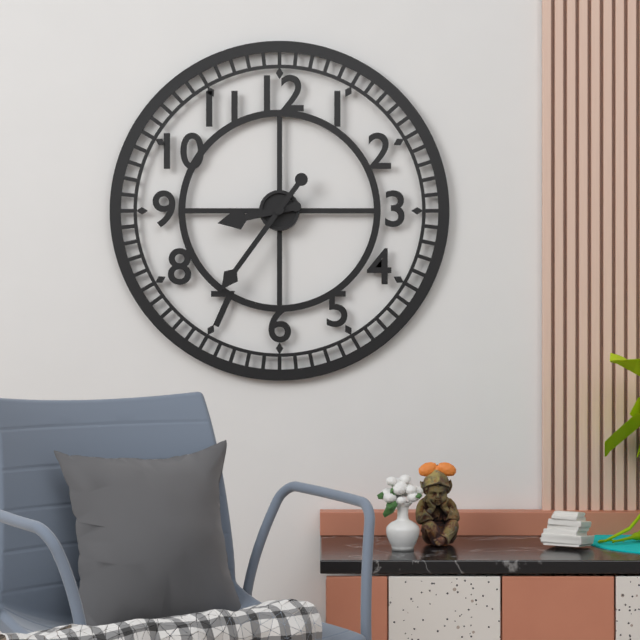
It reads **8:36**
